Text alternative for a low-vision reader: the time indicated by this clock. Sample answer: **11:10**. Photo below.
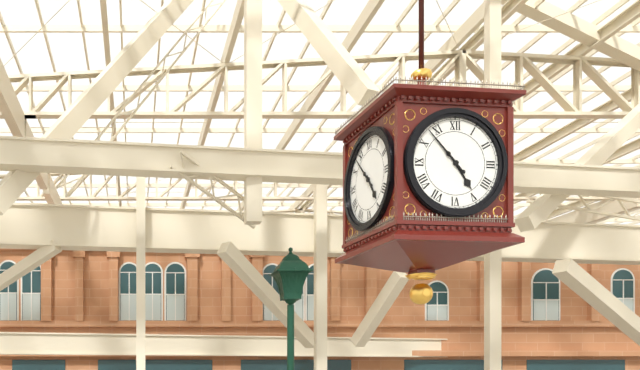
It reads **4:53**
